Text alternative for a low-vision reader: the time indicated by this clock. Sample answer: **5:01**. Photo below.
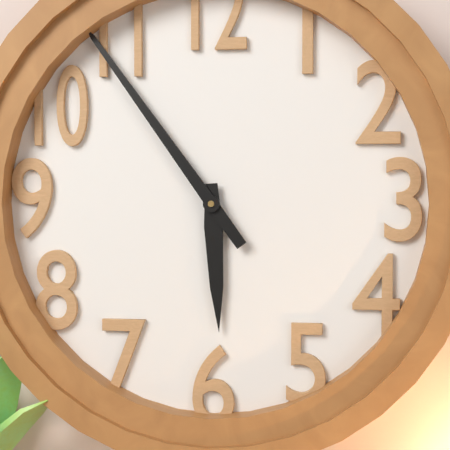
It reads **5:54**
